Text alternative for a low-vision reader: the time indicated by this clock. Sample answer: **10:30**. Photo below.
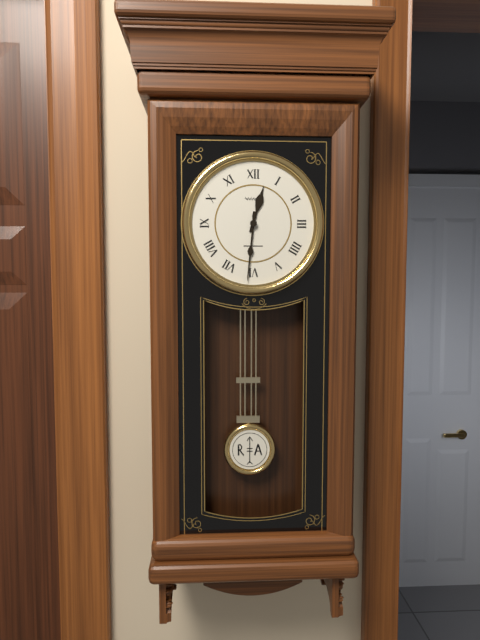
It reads **12:31**
